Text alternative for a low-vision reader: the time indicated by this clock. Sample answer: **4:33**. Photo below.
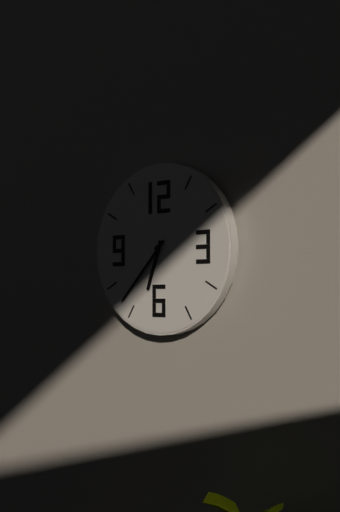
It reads **6:37**
